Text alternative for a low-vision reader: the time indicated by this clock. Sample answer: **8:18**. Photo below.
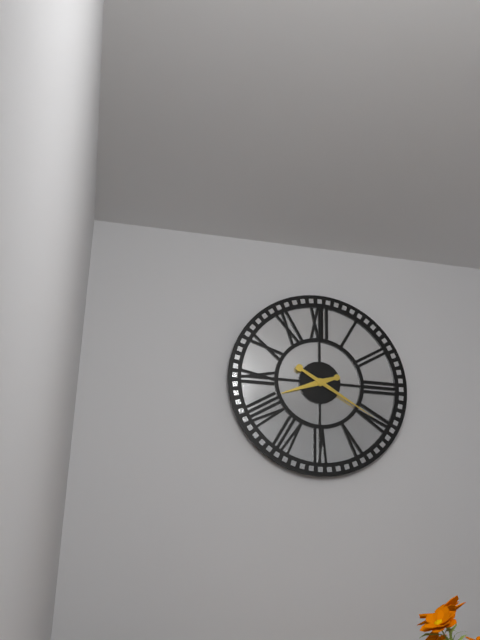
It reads **8:20**
